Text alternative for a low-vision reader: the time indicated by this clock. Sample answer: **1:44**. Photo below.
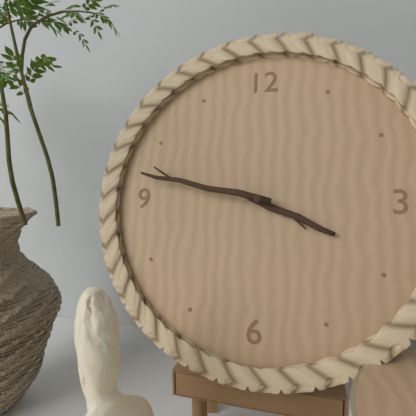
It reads **3:47**
